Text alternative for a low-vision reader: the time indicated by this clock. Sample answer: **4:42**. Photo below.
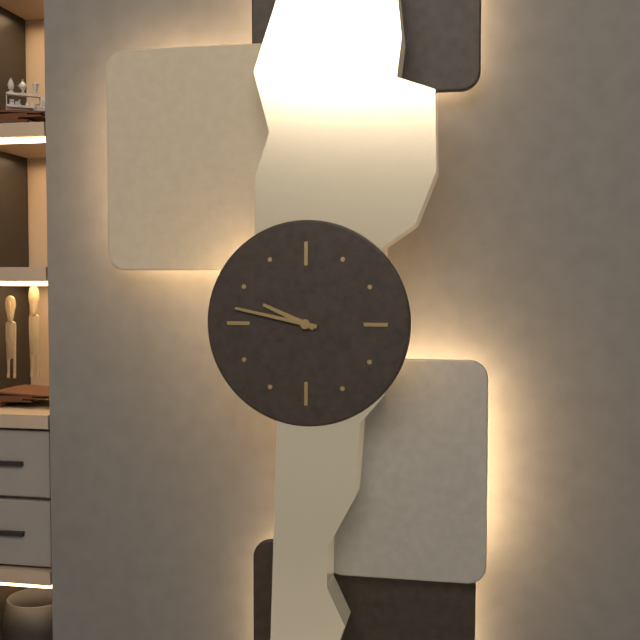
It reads **9:47**
